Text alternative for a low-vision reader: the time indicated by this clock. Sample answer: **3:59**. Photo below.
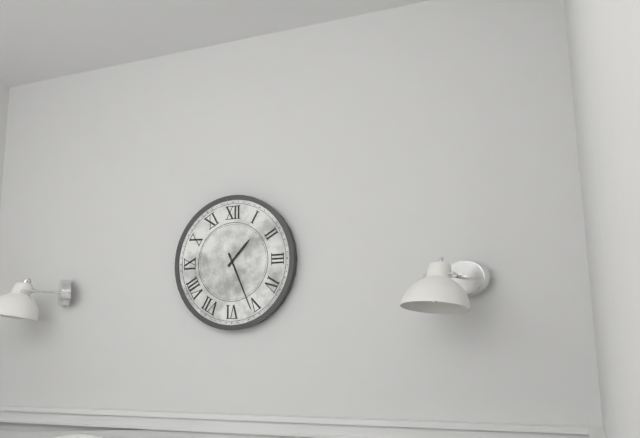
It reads **1:26**
